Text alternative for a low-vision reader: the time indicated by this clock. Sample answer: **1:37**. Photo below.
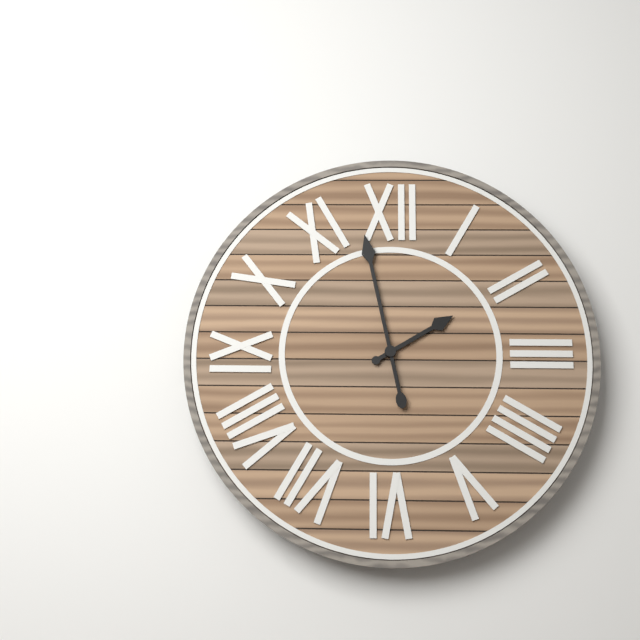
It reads **1:58**
